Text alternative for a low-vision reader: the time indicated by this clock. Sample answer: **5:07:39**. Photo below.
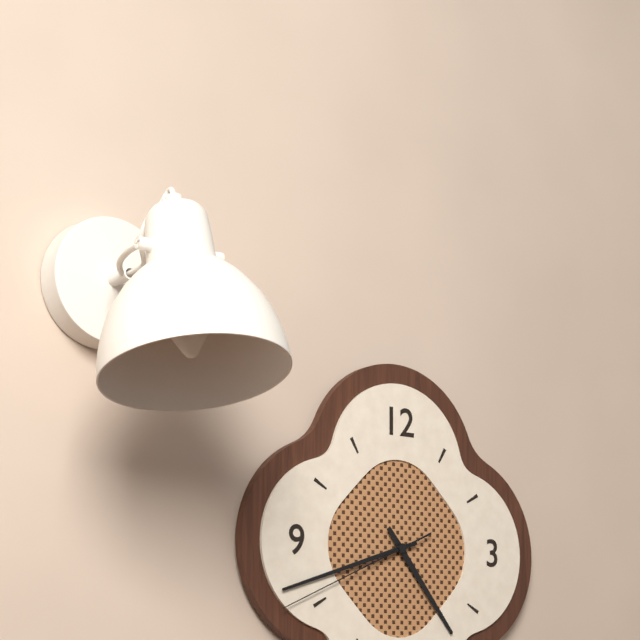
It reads **4:42:41**
